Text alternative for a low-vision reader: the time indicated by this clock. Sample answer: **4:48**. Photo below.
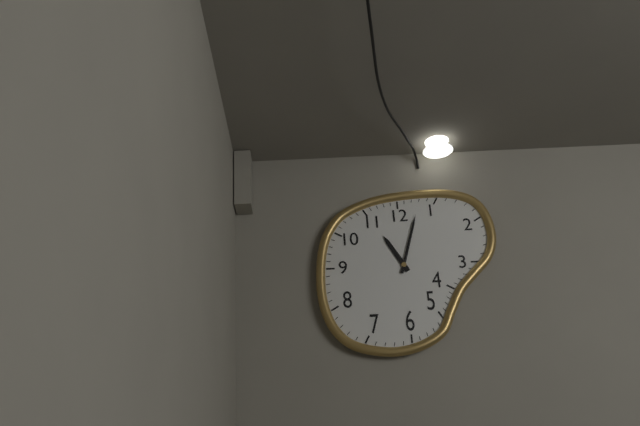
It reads **11:03**
